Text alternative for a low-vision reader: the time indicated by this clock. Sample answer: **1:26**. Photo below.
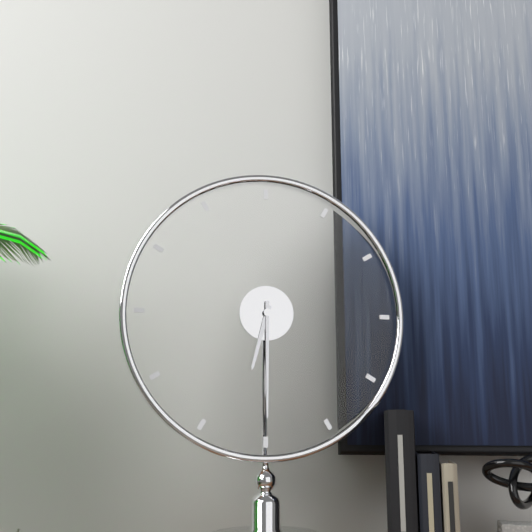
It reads **6:30**
